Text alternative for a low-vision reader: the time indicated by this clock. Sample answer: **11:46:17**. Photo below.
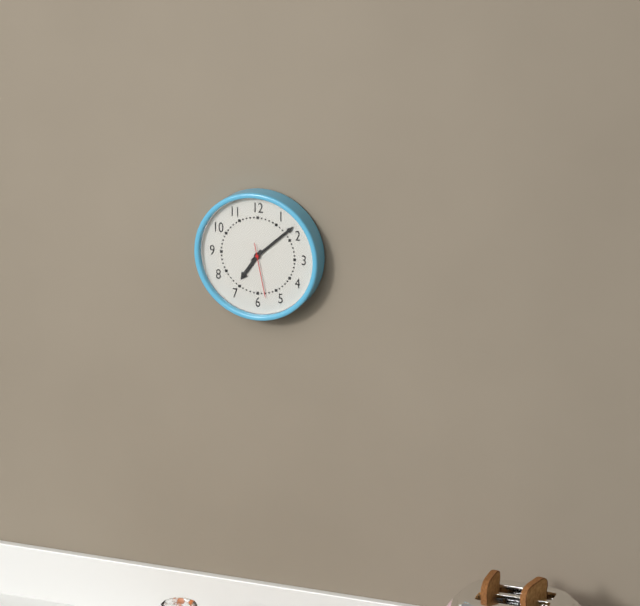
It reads **7:08:28**
